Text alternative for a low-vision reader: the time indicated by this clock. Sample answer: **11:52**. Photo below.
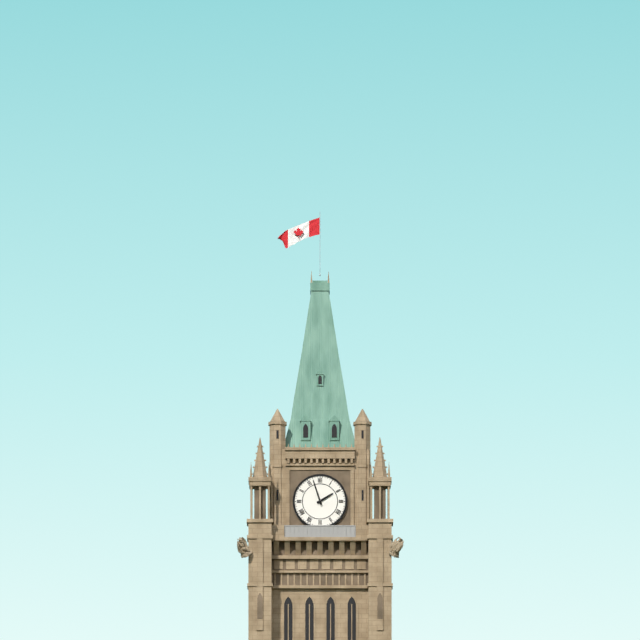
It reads **1:57**
